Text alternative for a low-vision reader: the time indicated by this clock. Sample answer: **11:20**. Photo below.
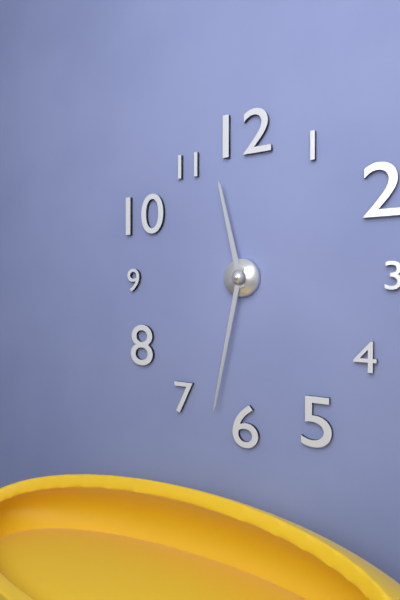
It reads **11:32**
